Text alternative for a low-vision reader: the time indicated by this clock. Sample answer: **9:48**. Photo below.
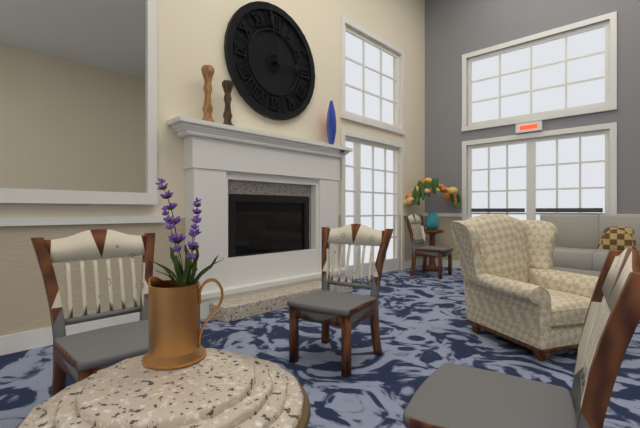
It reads **2:58**
